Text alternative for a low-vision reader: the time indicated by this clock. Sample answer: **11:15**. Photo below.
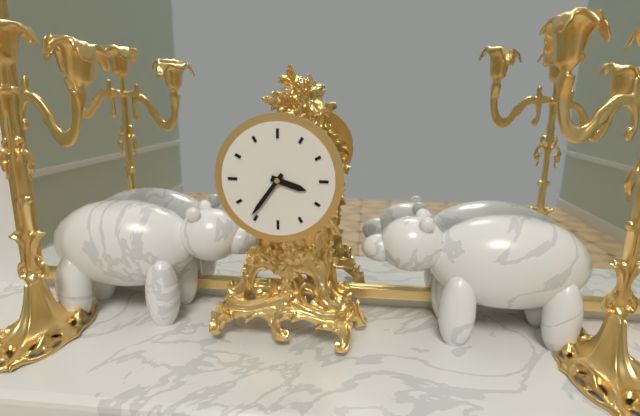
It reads **3:36**
